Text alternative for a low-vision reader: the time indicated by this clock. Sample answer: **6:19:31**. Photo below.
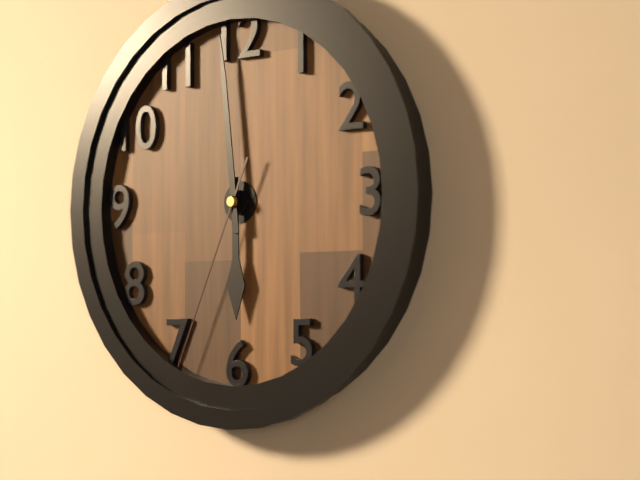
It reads **5:59:34**
